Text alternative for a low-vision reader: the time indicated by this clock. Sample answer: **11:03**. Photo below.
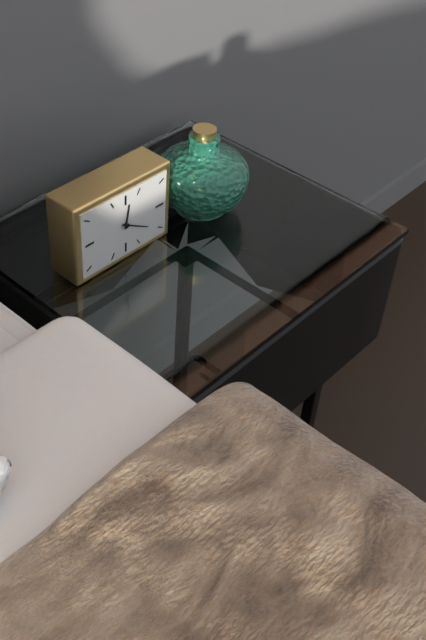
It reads **12:20**
